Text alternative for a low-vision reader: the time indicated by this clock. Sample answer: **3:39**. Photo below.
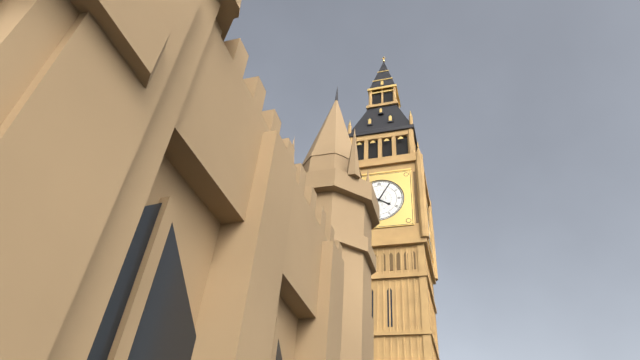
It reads **4:05**
